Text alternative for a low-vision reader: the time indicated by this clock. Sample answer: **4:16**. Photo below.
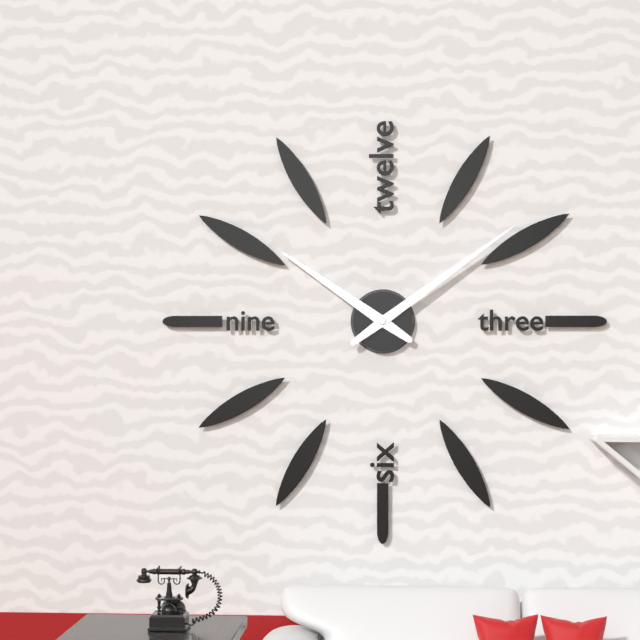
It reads **10:09**
